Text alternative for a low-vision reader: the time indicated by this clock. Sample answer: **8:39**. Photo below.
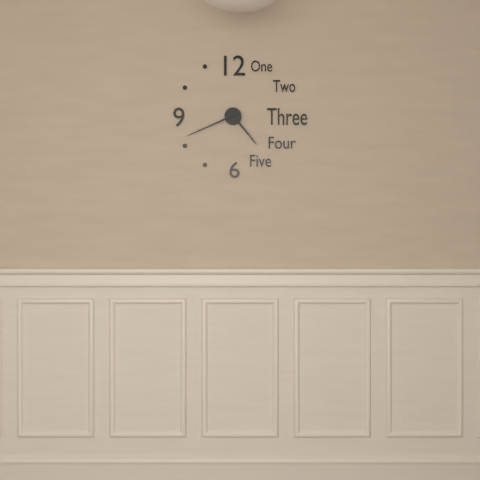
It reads **4:41**
